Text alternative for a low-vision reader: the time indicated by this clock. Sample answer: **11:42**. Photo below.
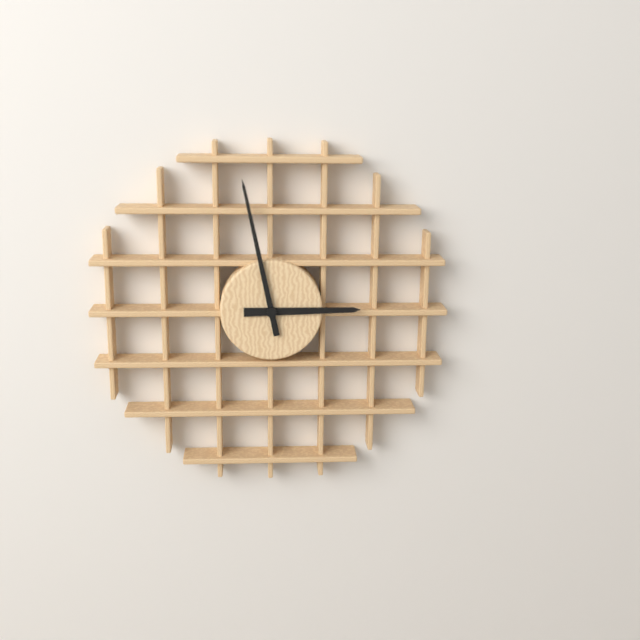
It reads **2:58**
